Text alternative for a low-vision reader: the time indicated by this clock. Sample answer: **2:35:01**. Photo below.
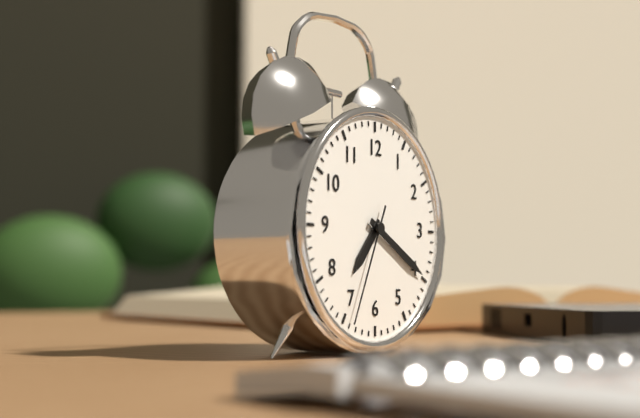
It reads **7:20:34**
